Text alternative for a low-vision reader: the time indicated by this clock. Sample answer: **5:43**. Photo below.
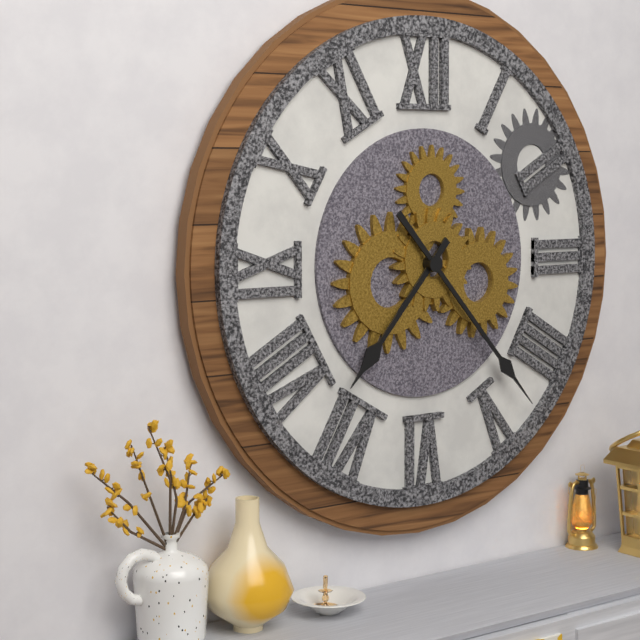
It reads **7:23**
